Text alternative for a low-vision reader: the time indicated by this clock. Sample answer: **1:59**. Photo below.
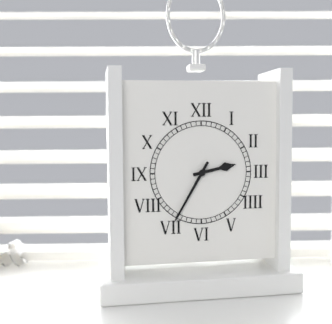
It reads **2:35**
